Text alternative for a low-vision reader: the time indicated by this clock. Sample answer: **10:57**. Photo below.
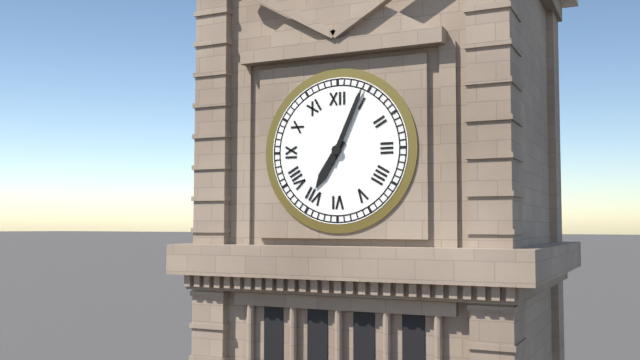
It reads **7:04**
